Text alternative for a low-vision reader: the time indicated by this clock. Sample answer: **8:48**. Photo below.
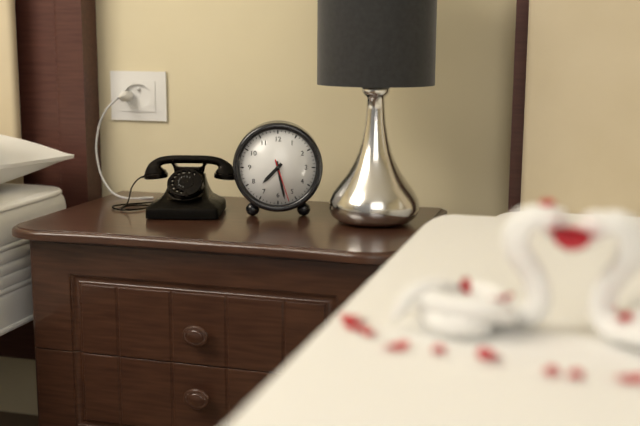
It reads **7:28**
